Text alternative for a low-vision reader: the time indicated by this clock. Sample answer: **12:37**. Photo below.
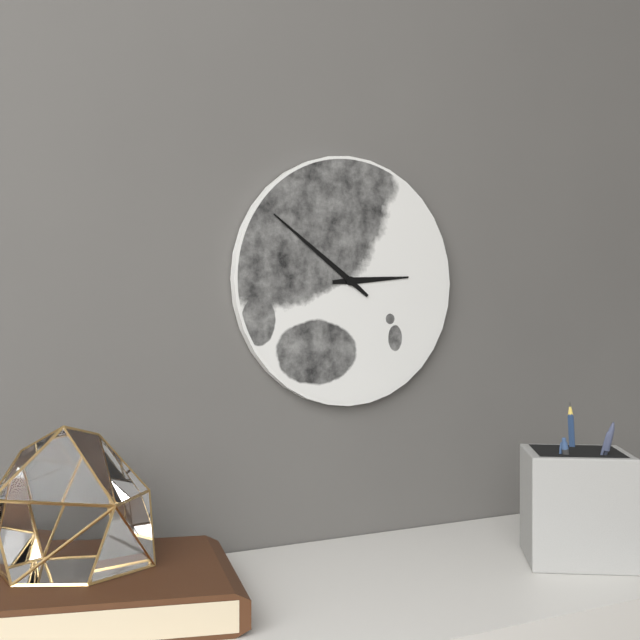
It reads **2:51**
